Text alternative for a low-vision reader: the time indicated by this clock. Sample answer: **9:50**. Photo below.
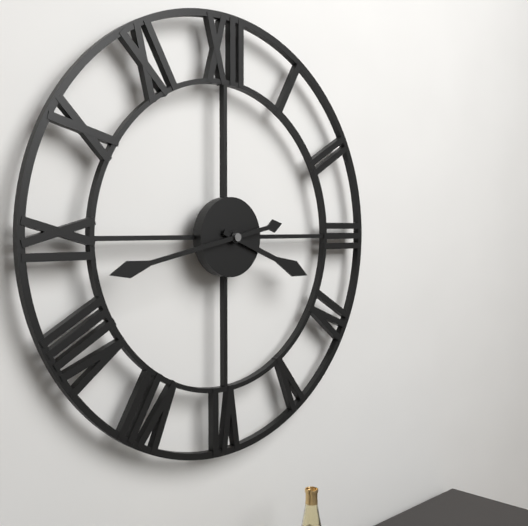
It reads **3:43**
